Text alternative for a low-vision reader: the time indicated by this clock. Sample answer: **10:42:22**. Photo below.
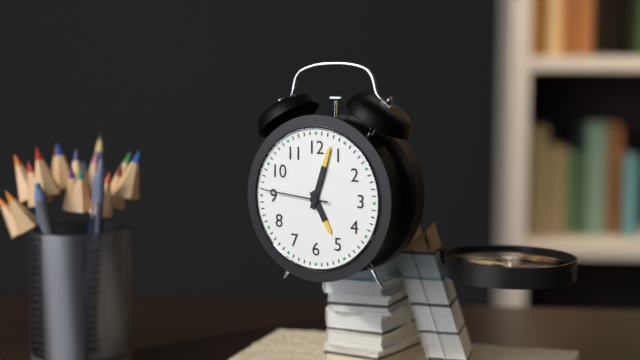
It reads **5:03:46**
